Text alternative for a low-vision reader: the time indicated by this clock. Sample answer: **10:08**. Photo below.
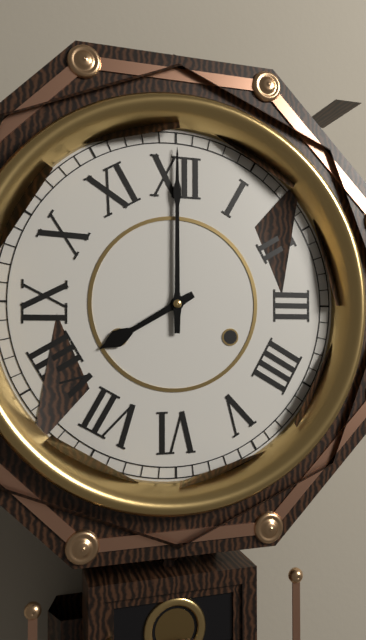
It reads **8:00**
